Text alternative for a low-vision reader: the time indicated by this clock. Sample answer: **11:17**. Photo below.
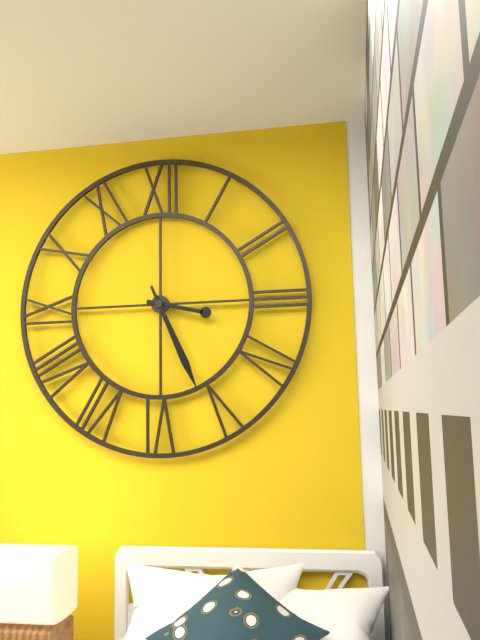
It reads **3:26**
